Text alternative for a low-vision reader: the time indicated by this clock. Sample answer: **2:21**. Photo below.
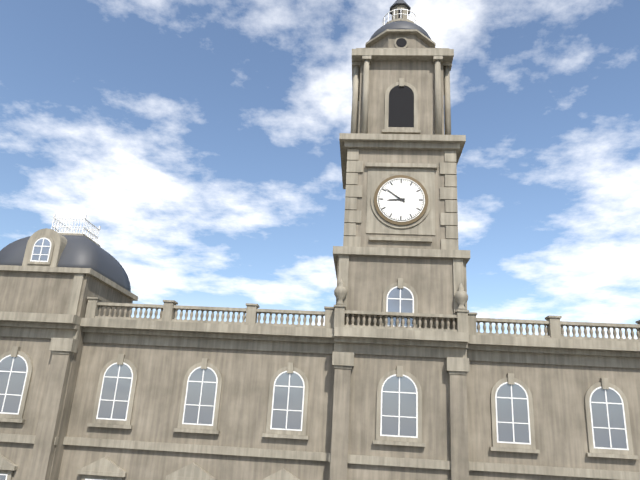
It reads **8:51**
